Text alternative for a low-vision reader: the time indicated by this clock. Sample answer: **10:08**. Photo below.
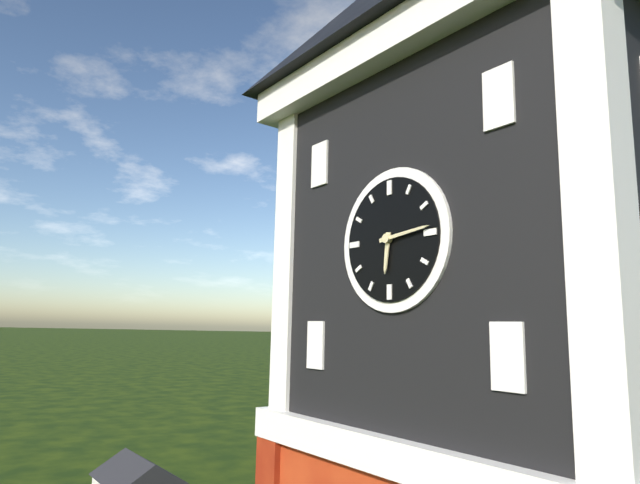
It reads **6:14**
